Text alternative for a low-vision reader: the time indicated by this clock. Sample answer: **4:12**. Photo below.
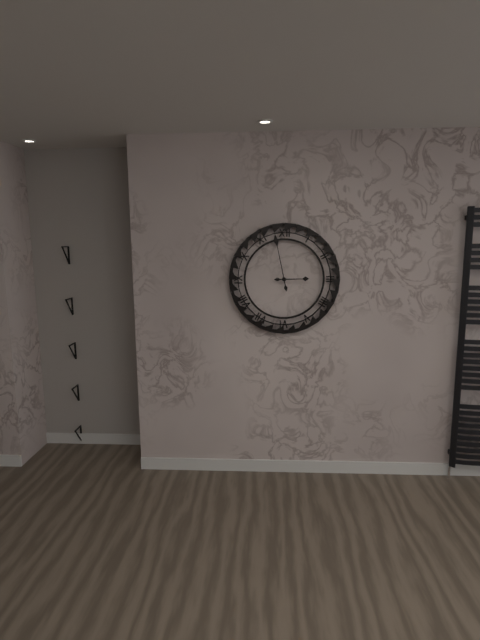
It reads **2:58**
